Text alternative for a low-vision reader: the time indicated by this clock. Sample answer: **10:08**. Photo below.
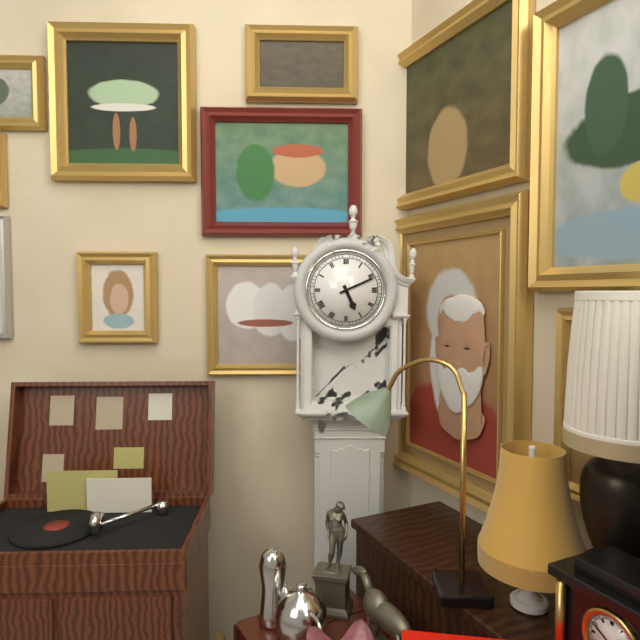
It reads **5:11**
